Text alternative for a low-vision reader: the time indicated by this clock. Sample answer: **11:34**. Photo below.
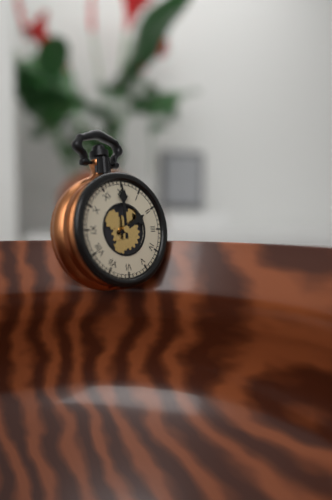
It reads **2:00**
